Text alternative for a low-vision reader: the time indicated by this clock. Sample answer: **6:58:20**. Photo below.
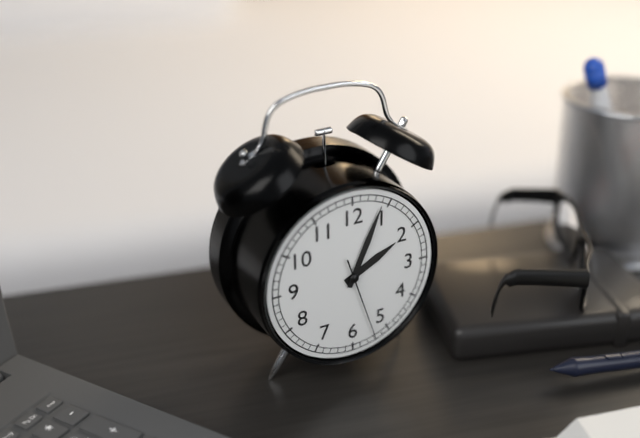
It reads **2:04:27**
